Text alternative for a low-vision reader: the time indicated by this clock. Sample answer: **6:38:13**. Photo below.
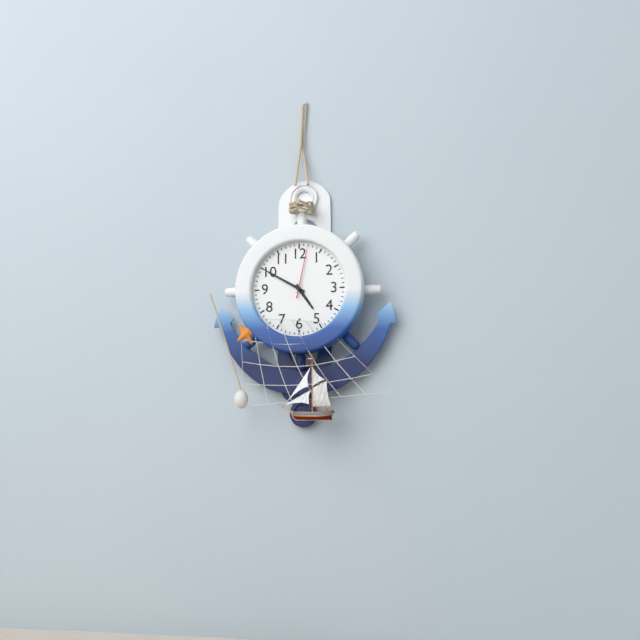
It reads **4:50:02**
